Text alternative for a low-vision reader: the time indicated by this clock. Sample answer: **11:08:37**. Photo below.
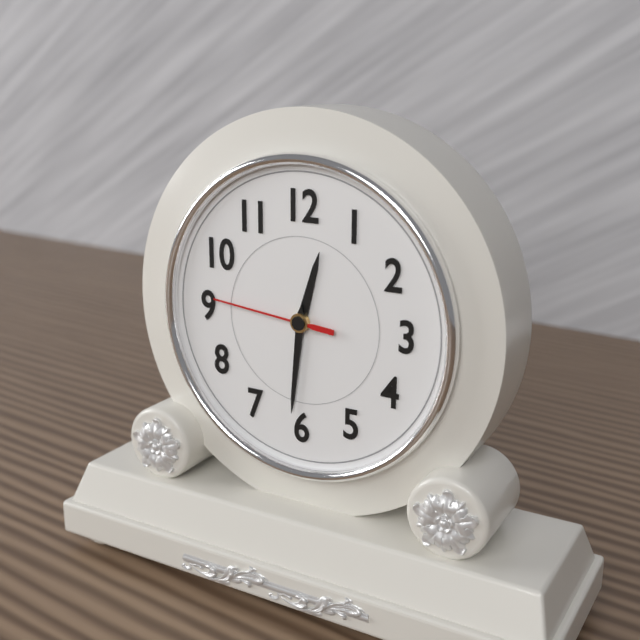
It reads **12:31:46**
